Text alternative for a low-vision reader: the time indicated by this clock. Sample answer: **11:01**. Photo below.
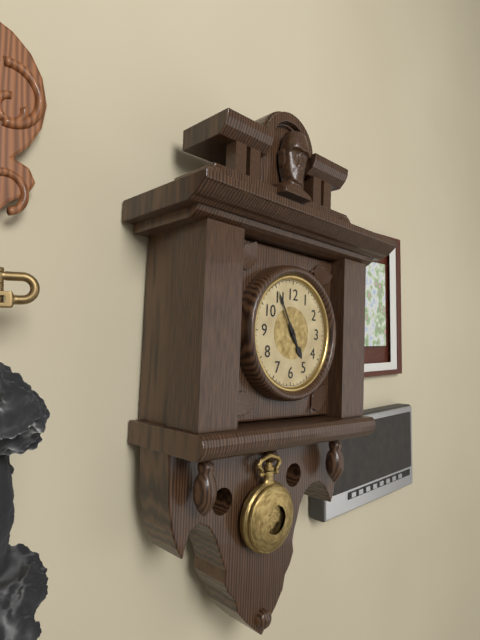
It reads **4:55**
